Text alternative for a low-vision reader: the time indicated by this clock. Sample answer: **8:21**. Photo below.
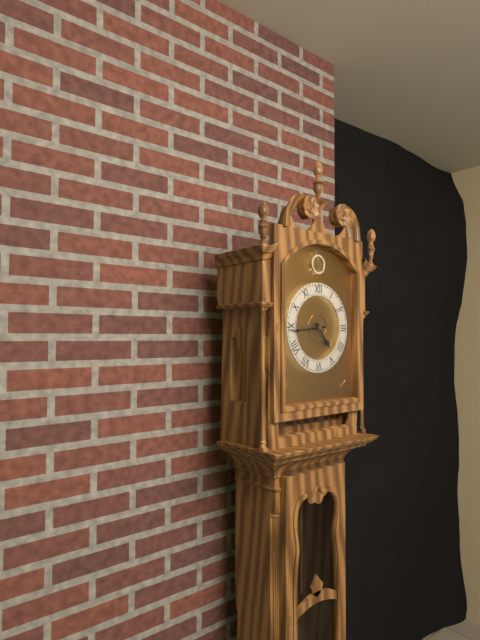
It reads **4:44**
